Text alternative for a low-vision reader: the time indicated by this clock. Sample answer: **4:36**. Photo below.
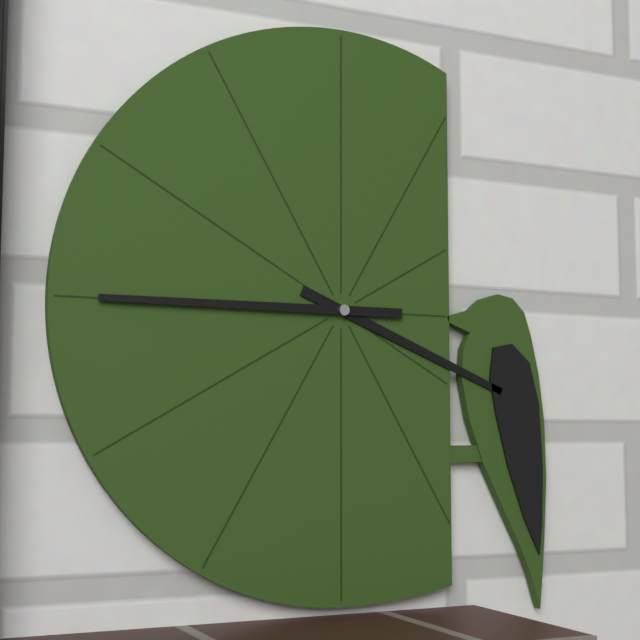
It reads **3:45**
